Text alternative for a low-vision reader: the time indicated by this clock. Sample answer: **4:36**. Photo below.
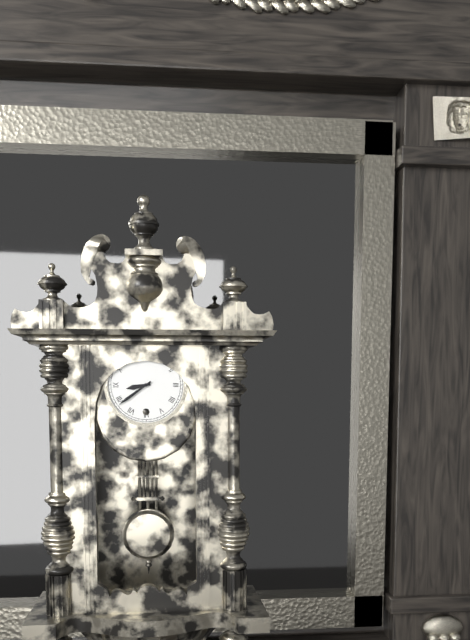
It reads **8:39**
